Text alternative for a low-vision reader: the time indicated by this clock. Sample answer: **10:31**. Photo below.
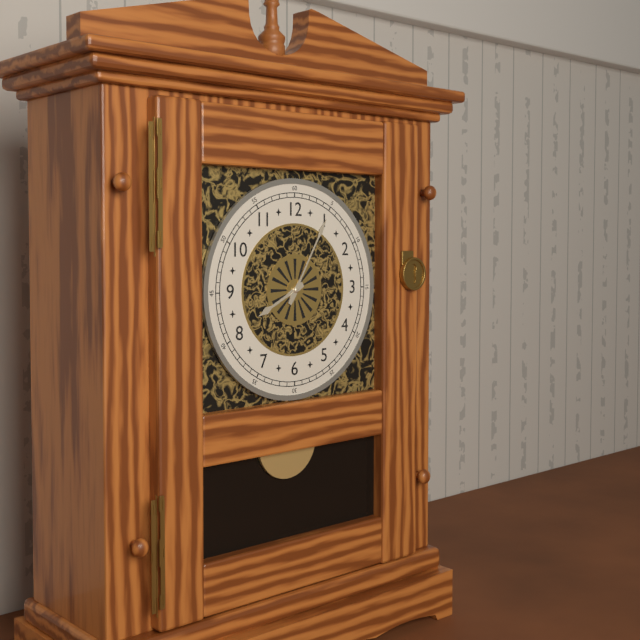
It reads **8:05**
